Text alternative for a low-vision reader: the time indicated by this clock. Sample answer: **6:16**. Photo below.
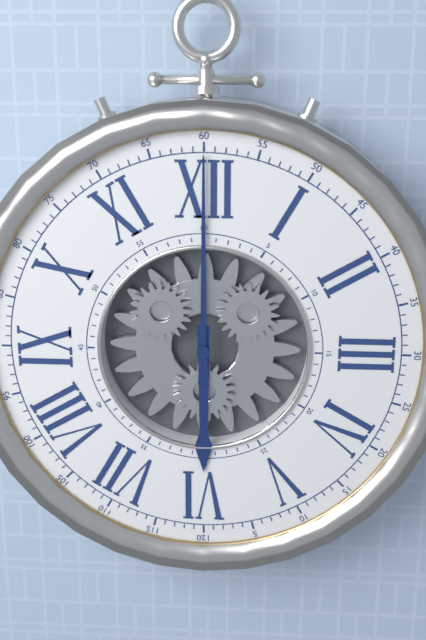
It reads **6:00**
